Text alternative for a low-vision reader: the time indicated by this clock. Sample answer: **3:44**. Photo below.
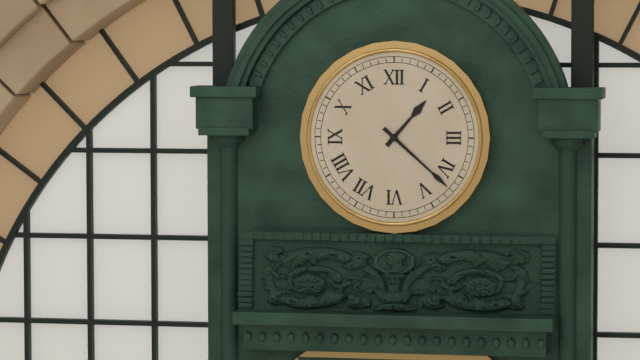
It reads **1:22**
